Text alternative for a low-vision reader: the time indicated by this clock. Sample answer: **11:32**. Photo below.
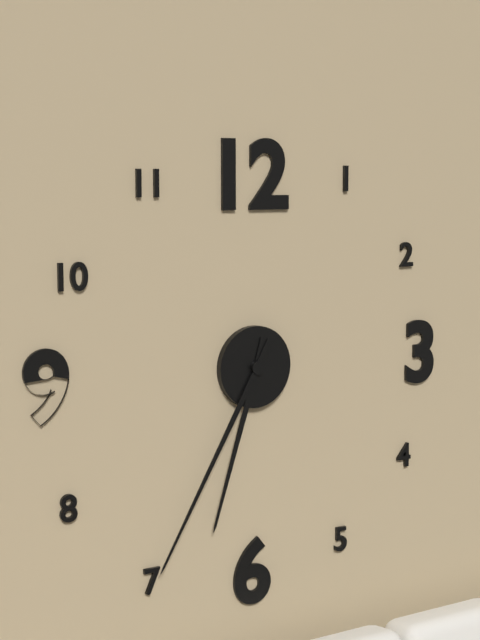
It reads **6:35**
